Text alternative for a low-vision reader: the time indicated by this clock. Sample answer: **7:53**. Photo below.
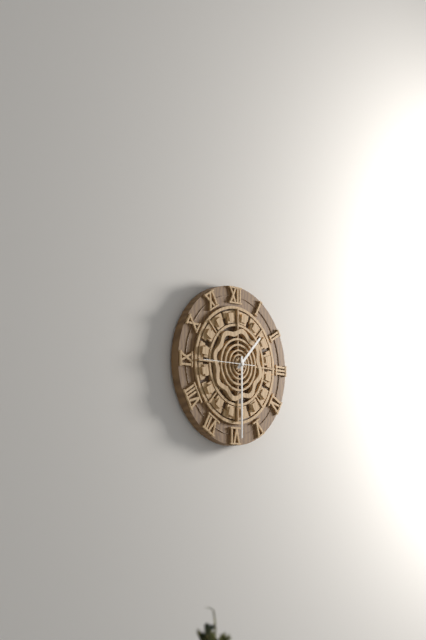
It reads **1:30**
